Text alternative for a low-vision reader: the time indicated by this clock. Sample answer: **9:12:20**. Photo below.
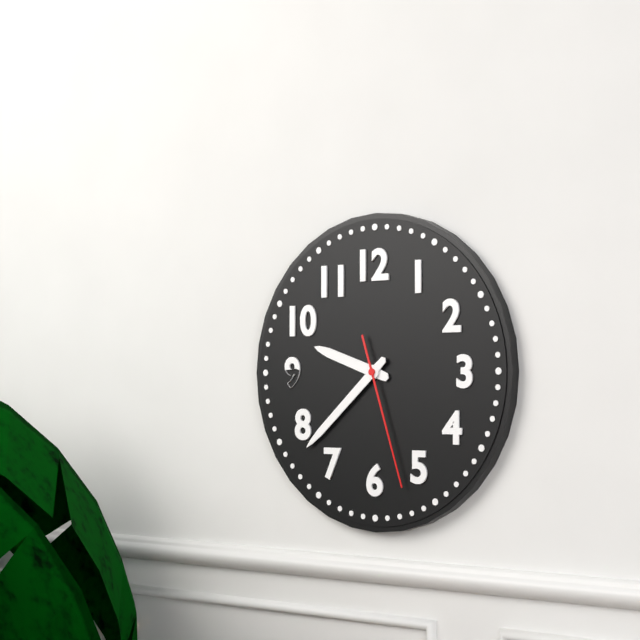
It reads **9:38:27**
